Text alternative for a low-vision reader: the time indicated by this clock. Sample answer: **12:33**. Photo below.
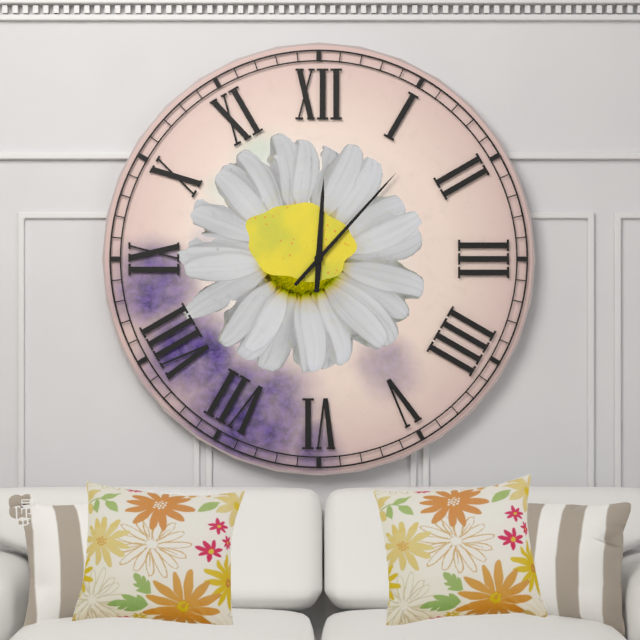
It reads **12:07**
